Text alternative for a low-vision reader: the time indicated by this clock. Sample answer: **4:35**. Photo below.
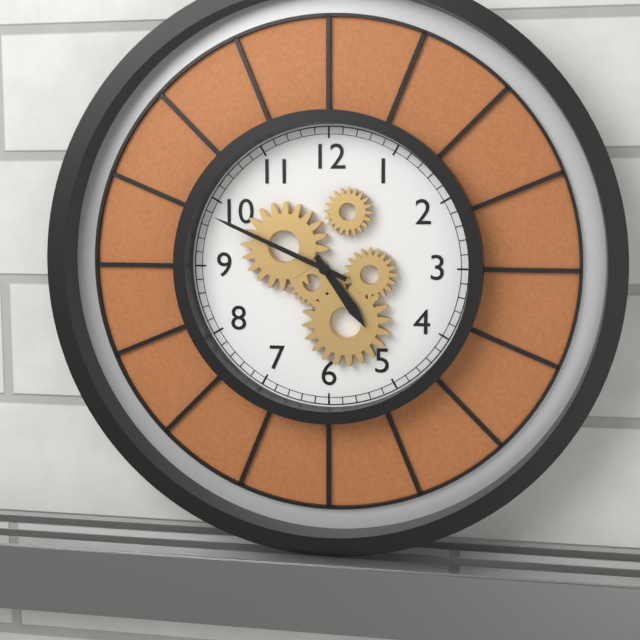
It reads **4:49**
